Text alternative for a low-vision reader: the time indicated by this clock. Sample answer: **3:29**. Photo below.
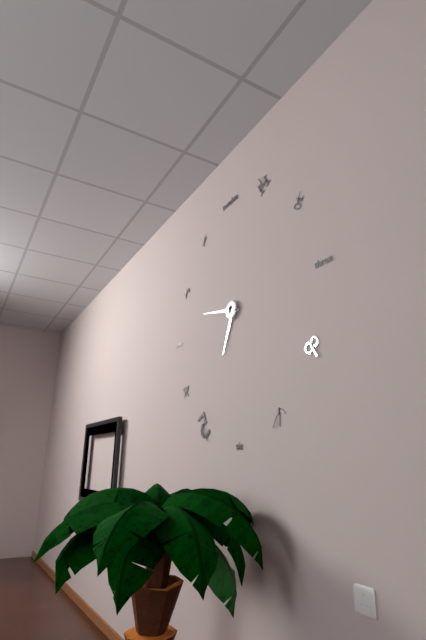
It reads **6:47**
